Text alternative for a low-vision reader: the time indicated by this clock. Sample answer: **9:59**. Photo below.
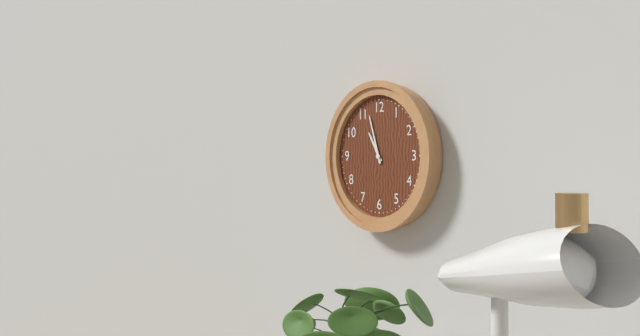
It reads **10:57**
